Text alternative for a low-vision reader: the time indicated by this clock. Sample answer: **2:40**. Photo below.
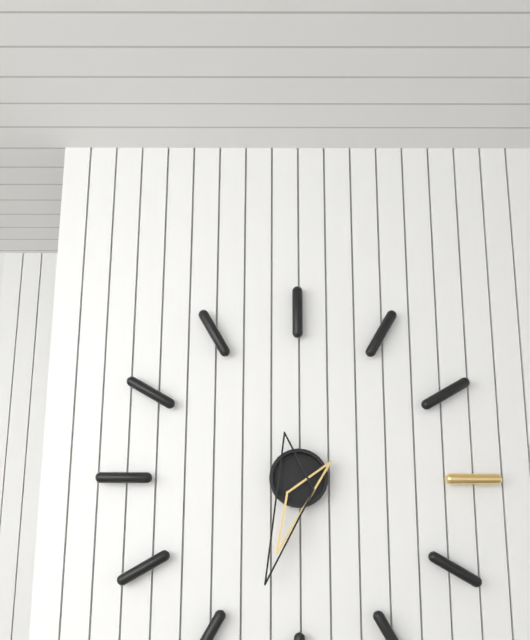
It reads **6:33**
